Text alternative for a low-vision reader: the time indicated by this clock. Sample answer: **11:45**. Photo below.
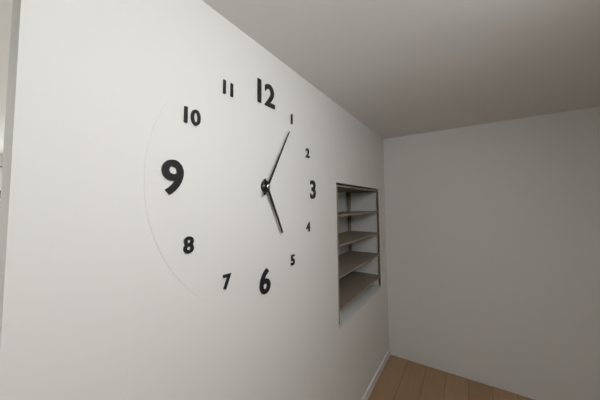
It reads **5:05**
